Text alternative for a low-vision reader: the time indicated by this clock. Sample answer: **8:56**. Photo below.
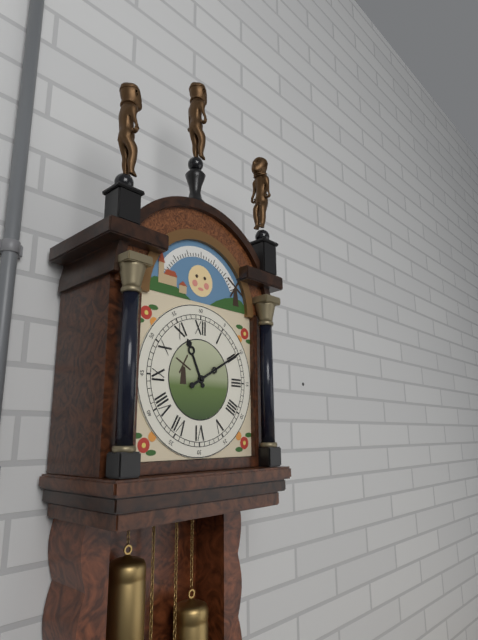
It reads **11:10**
